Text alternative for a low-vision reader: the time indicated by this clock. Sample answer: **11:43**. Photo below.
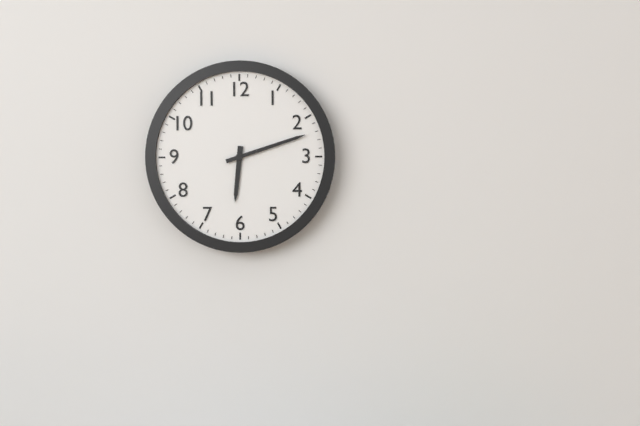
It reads **6:12**
